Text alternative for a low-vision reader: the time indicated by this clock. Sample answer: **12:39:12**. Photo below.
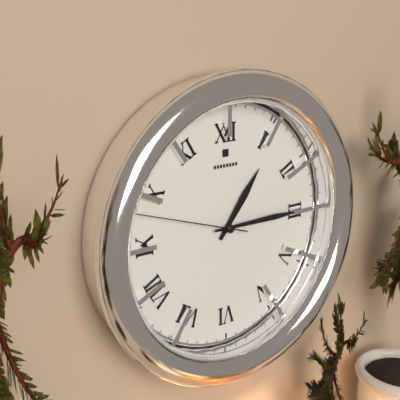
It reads **1:15:48**
